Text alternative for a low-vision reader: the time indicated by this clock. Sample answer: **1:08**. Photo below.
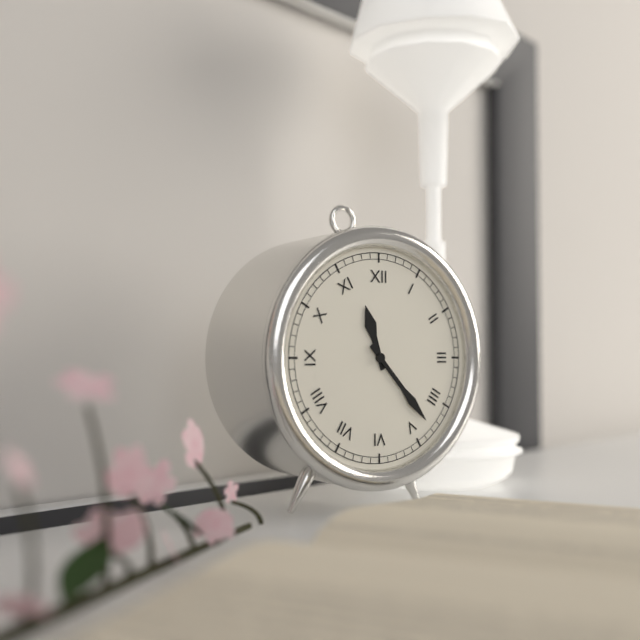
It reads **11:23**
